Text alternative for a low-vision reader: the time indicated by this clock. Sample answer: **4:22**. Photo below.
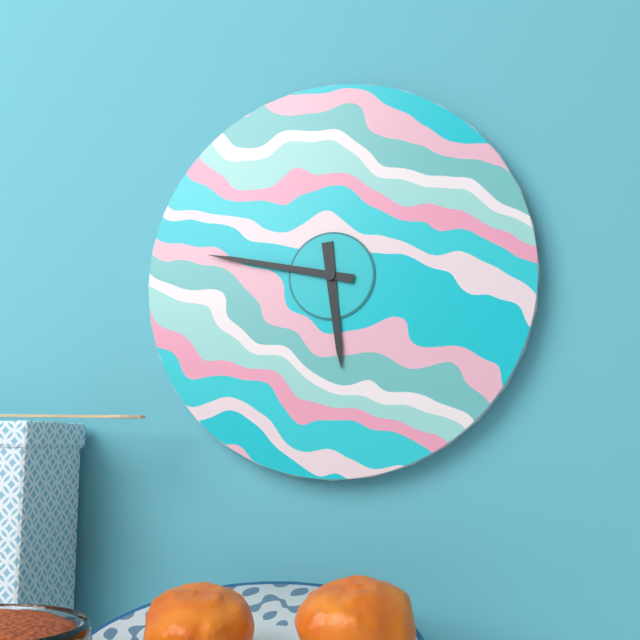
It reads **5:47**
